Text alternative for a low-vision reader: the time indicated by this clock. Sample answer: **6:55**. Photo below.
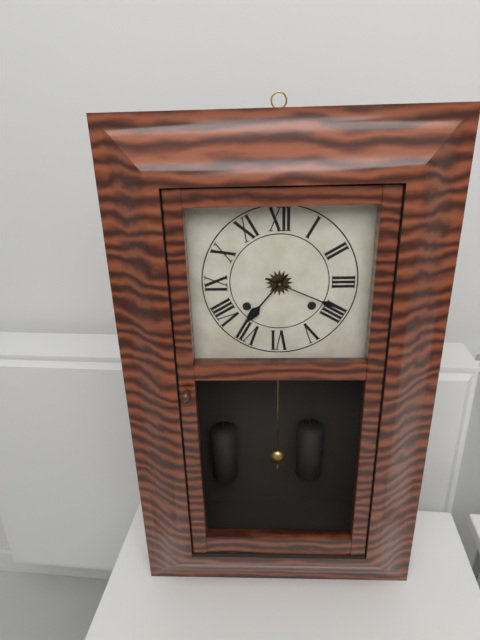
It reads **7:19**
